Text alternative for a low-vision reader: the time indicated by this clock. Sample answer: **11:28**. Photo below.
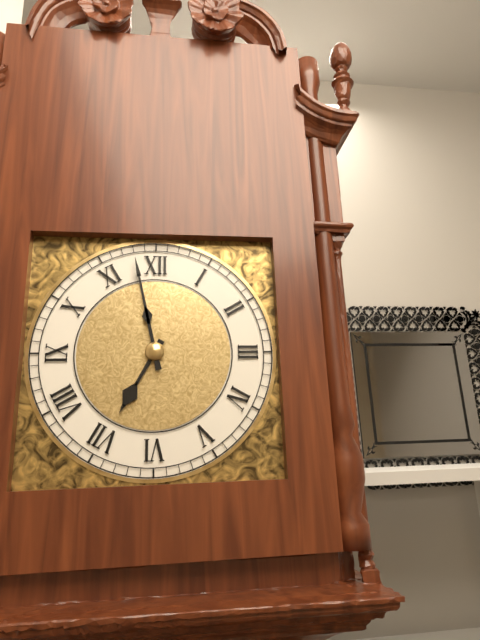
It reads **6:58**
